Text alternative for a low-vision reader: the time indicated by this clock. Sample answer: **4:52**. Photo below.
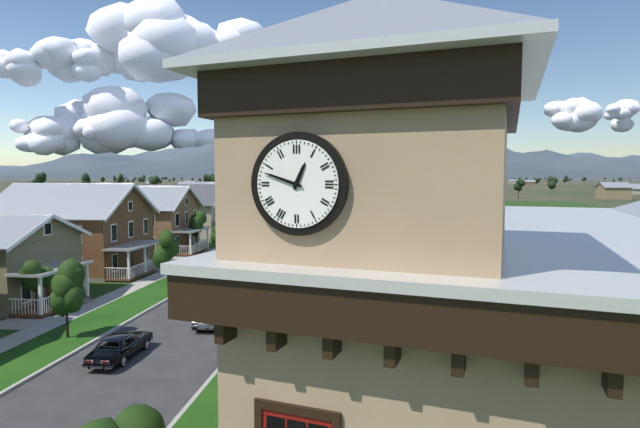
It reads **12:48**
